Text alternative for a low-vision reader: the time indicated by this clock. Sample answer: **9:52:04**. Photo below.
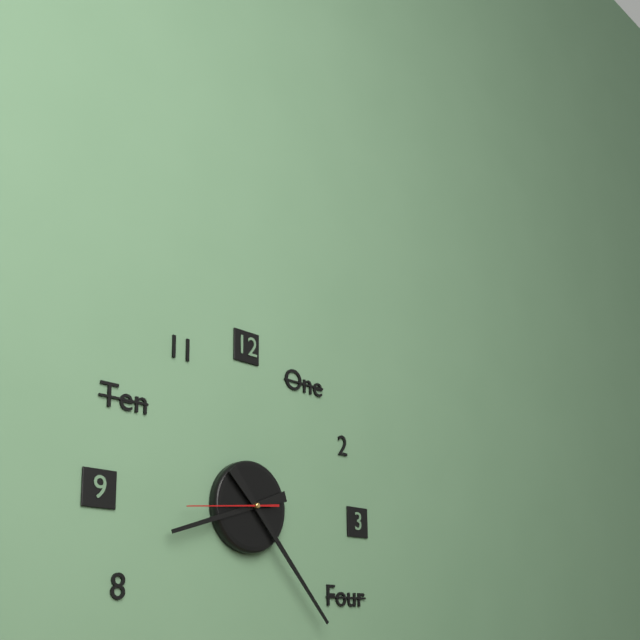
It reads **8:23:44**
